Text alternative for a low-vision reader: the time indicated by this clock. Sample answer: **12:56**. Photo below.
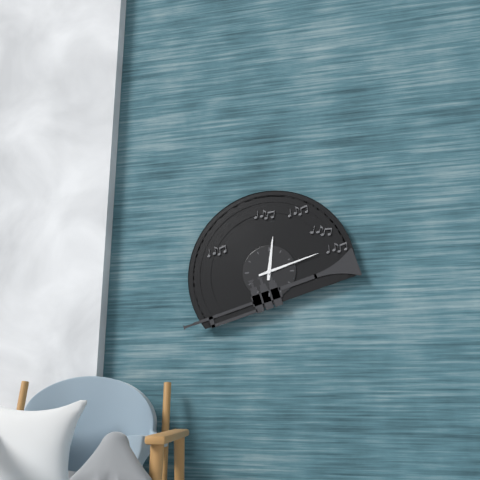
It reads **12:12**
